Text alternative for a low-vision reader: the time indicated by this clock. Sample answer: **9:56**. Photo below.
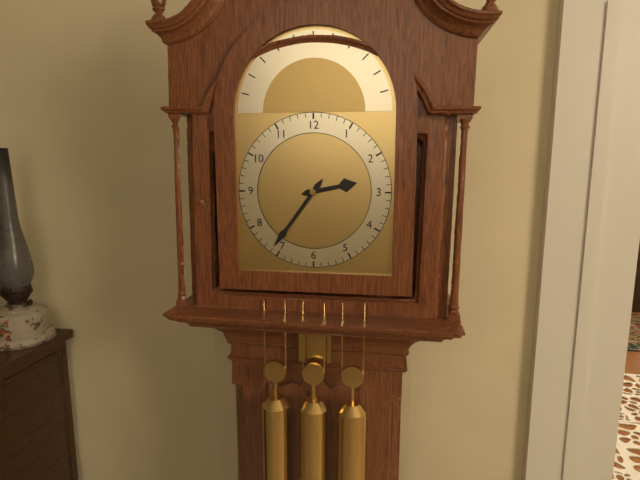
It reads **2:36**
